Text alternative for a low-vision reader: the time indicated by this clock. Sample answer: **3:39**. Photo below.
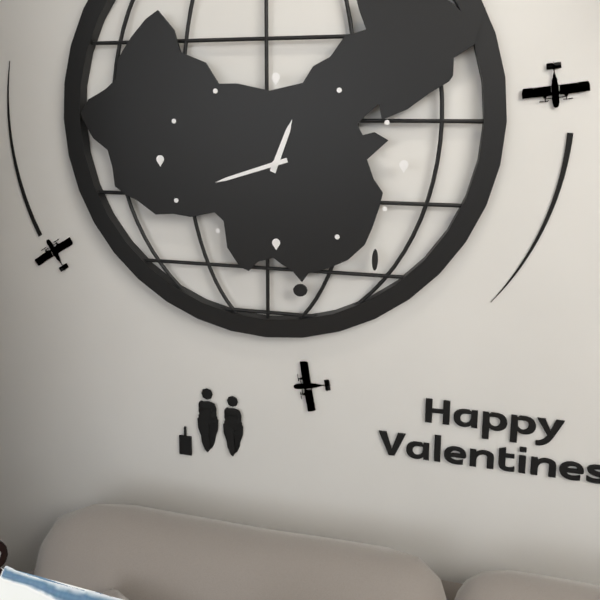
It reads **12:42**
